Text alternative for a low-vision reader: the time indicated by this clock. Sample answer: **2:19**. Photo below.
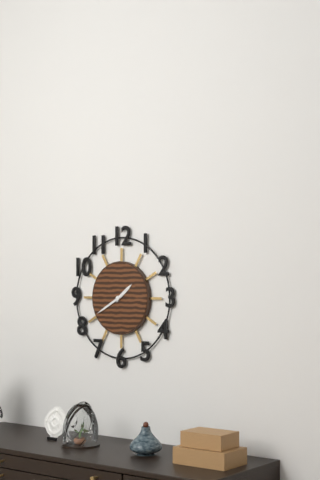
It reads **1:40**
